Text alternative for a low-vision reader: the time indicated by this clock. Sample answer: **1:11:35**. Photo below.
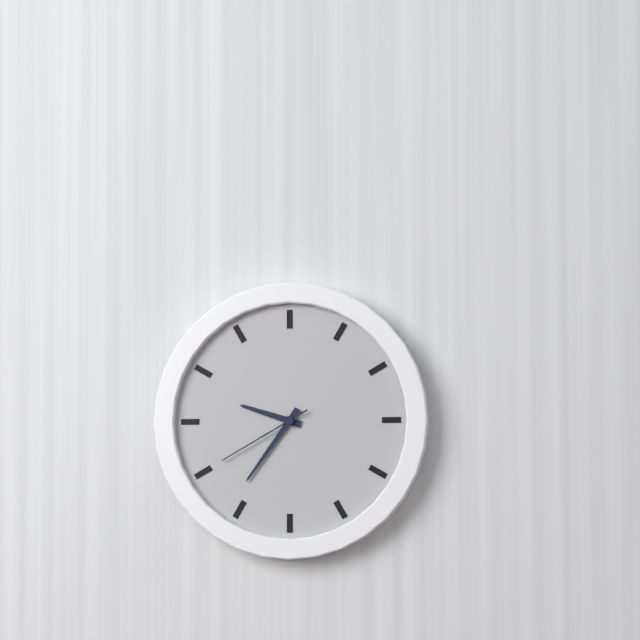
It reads **9:36:40**
